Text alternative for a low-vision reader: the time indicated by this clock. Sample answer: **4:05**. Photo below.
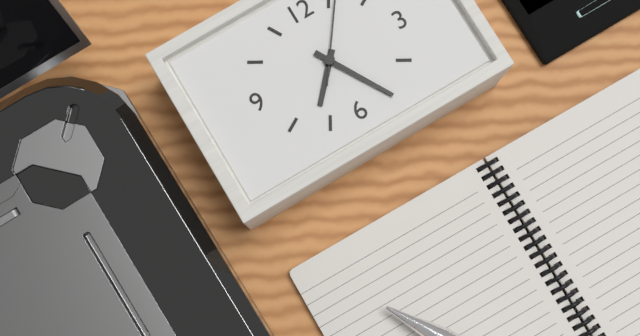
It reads **7:25**
